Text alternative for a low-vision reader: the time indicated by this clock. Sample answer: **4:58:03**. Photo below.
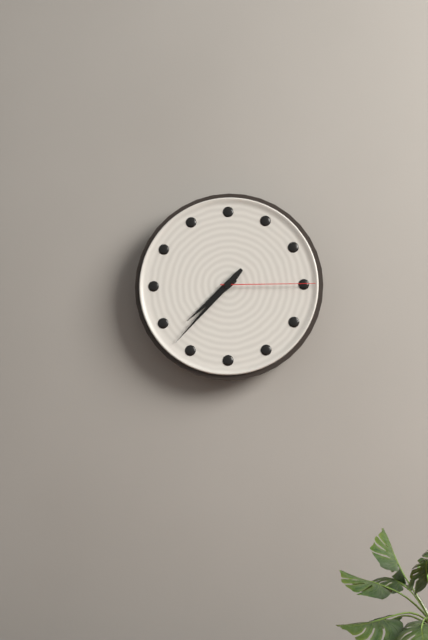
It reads **7:37:15**
